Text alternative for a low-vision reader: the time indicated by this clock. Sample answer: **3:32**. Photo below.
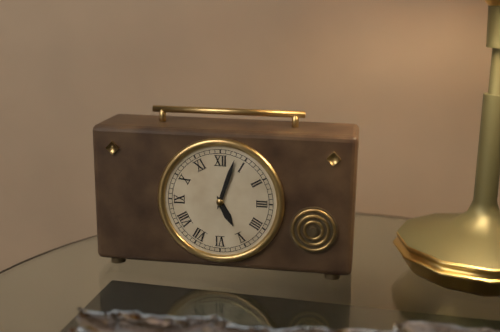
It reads **5:03**
